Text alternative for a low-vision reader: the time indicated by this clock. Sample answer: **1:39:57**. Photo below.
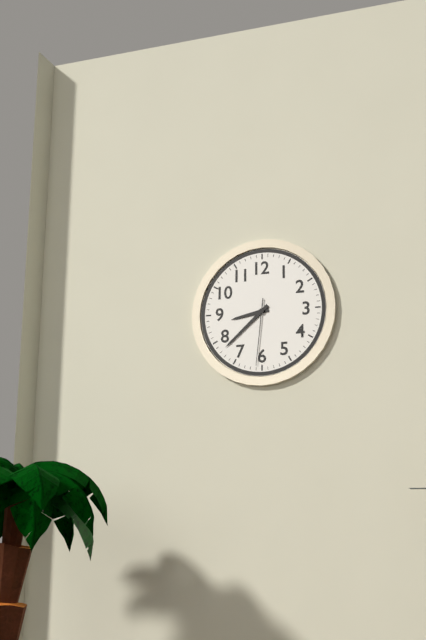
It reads **8:38:31**
